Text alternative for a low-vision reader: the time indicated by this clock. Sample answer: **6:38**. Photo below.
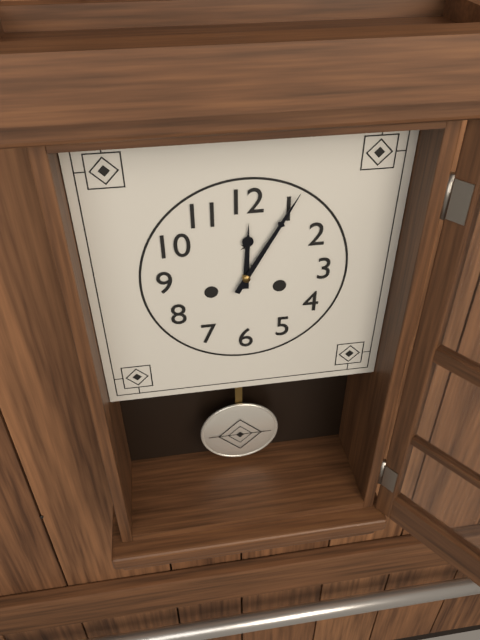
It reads **12:05**
